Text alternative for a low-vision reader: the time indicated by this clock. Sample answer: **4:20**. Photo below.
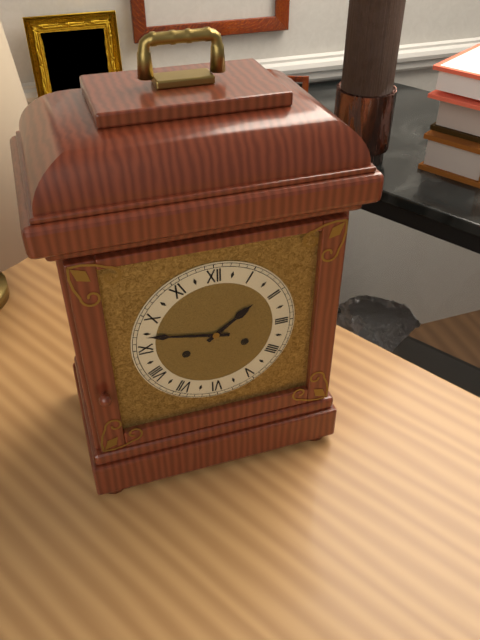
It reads **1:47**
